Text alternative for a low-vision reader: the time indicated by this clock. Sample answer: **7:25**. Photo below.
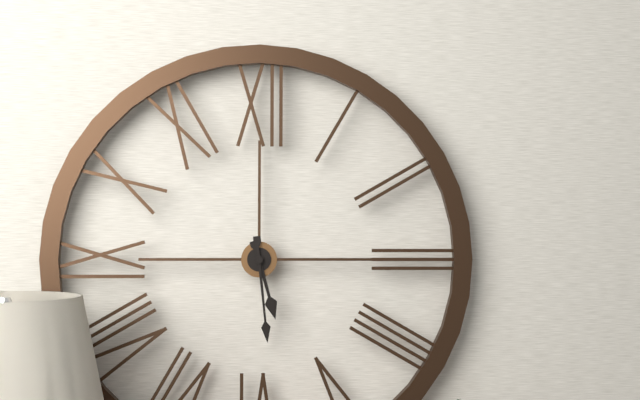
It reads **5:29**
